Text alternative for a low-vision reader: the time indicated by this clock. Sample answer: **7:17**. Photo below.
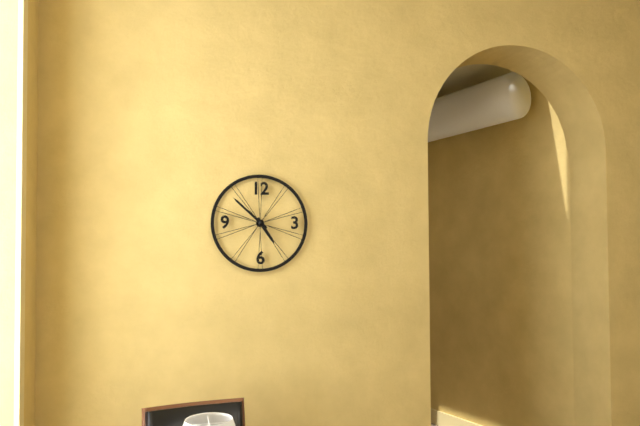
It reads **4:52**
